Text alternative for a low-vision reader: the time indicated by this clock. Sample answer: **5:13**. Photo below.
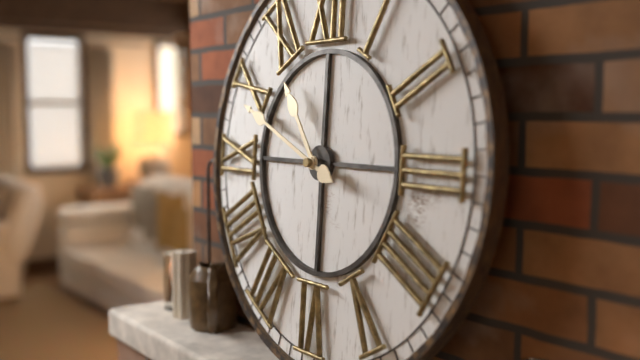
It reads **10:49**
